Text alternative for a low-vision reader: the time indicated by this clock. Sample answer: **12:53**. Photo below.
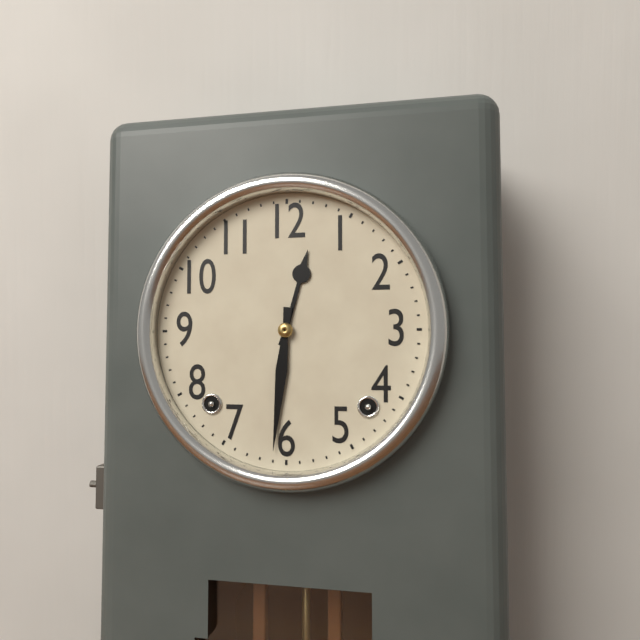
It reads **12:31**
